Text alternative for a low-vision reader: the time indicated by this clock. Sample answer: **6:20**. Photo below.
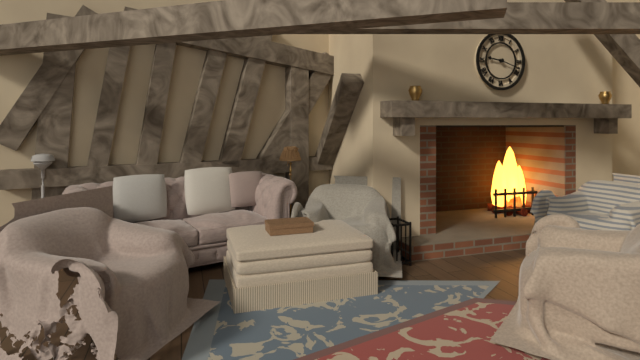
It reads **9:18**
